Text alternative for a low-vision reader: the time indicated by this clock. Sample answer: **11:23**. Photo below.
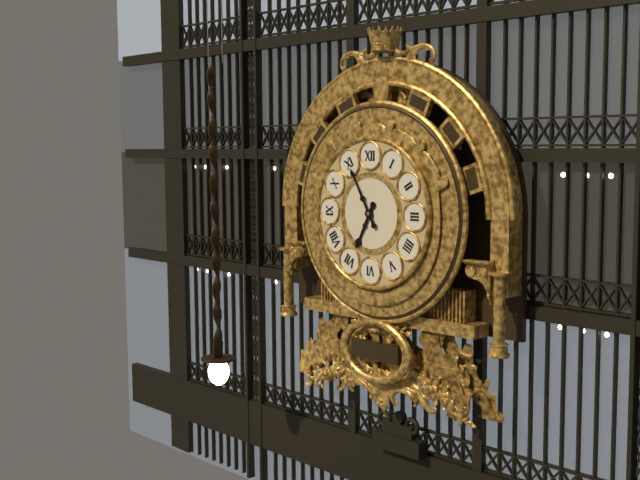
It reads **6:55**
